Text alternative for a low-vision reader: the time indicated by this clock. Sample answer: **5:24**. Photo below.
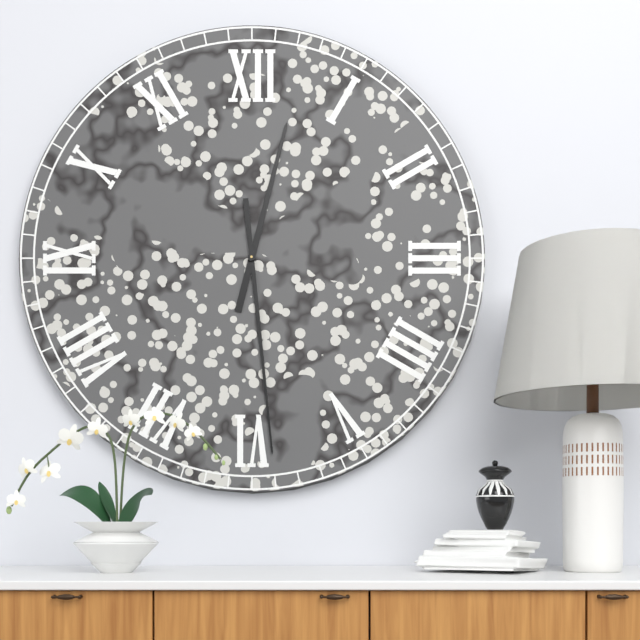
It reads **12:29**
